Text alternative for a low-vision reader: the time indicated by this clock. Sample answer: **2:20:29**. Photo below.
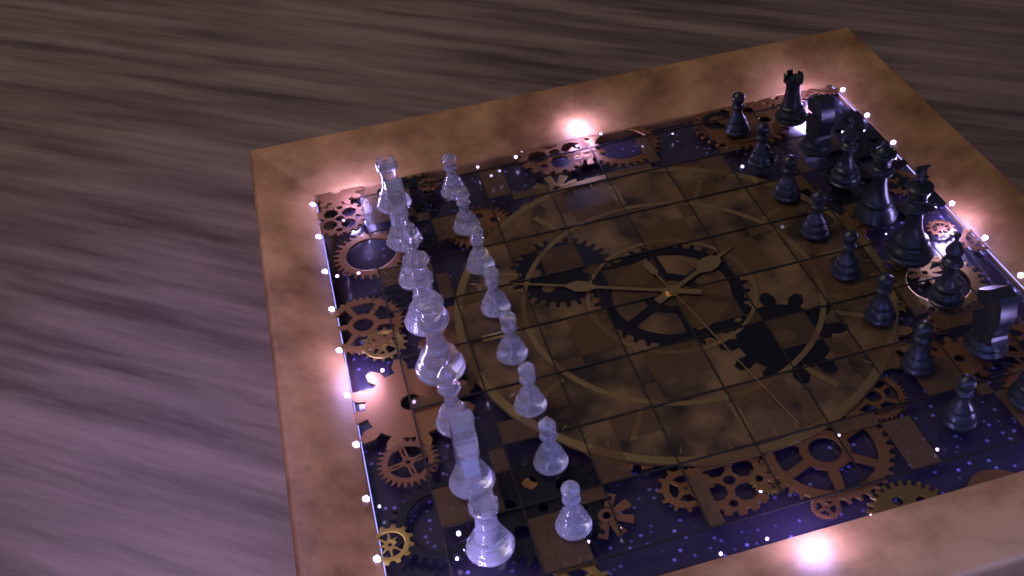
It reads **5:04:43**
